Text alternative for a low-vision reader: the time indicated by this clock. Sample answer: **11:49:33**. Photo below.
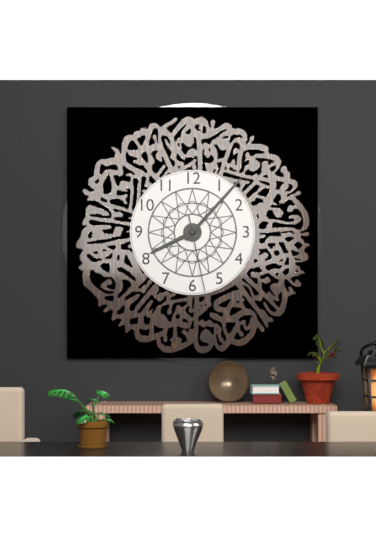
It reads **8:07:28**
